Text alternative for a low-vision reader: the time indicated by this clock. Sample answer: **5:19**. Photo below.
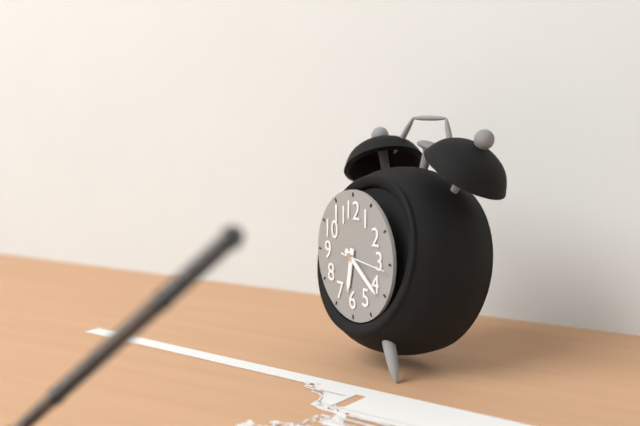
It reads **6:21**
